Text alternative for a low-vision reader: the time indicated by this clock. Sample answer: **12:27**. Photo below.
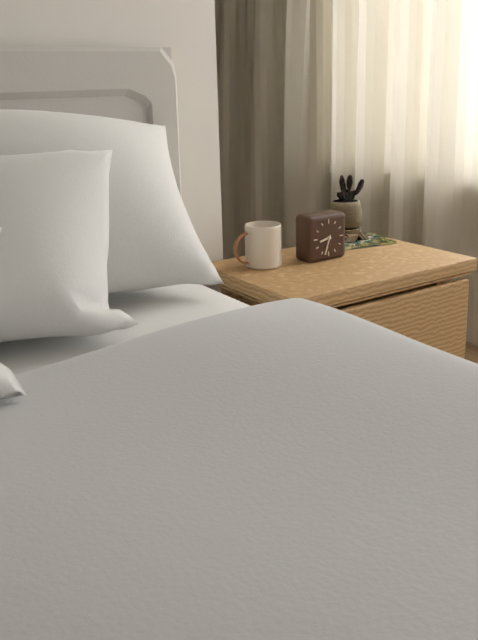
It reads **8:33**
